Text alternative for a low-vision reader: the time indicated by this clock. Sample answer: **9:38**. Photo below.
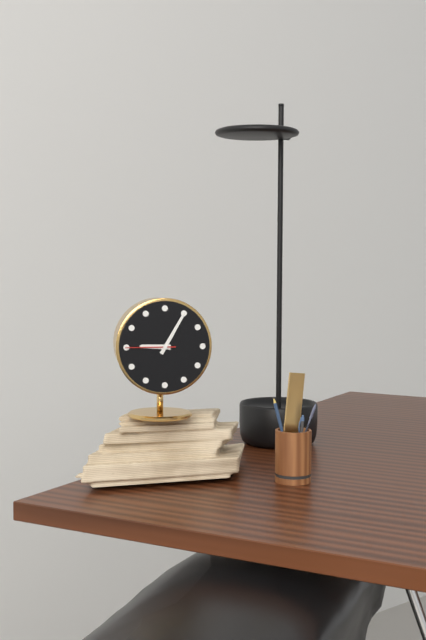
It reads **9:05**
